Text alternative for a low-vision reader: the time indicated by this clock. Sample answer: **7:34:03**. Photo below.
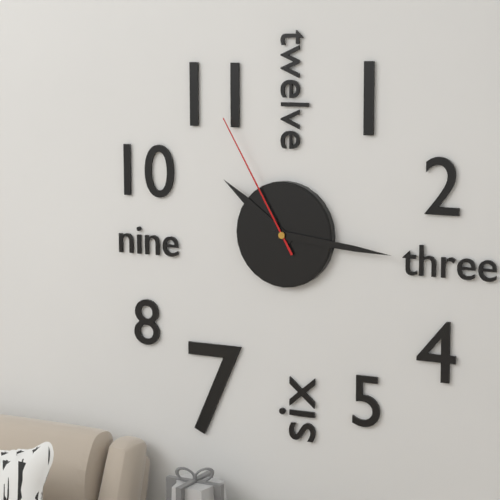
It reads **10:16:55**
